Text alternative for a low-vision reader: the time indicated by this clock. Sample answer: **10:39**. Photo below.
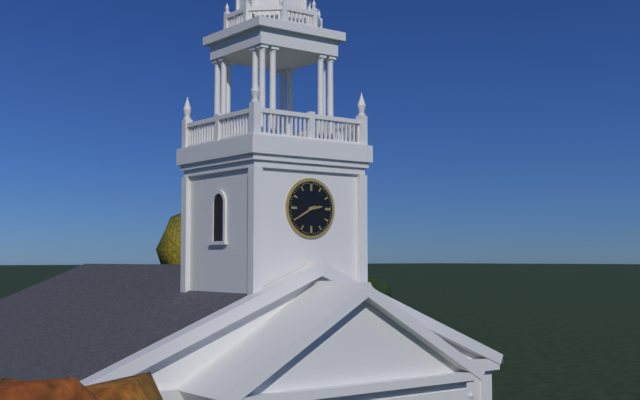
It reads **2:40**
